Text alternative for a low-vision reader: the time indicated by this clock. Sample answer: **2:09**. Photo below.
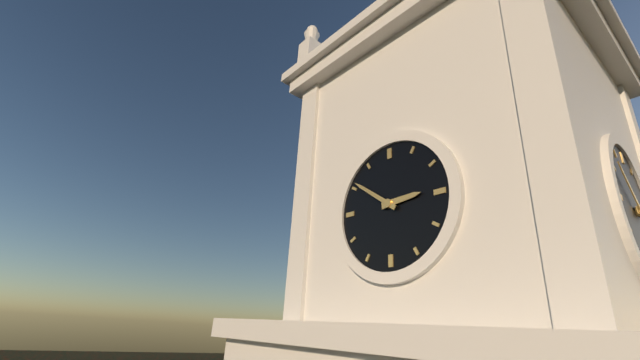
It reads **2:51**
